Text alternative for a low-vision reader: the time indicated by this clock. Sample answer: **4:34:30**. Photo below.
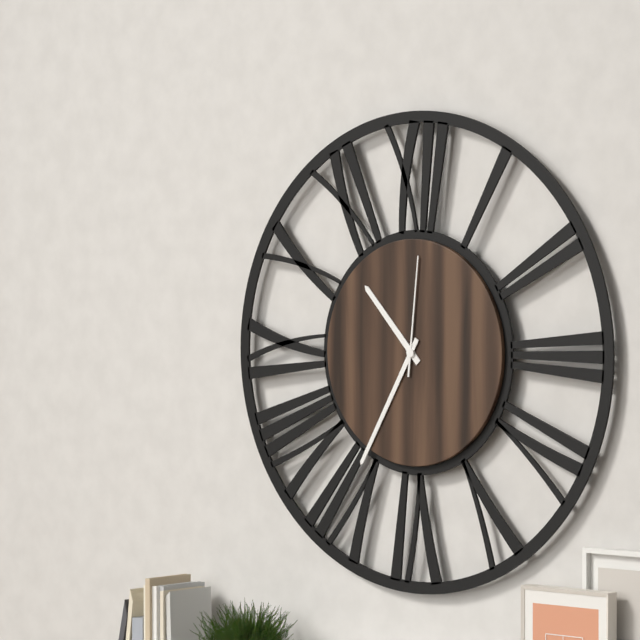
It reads **10:35:01**
